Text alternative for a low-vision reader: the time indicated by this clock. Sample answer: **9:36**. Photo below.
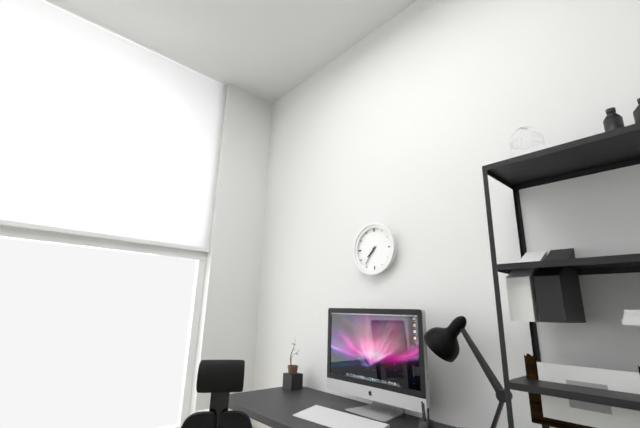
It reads **7:36**
